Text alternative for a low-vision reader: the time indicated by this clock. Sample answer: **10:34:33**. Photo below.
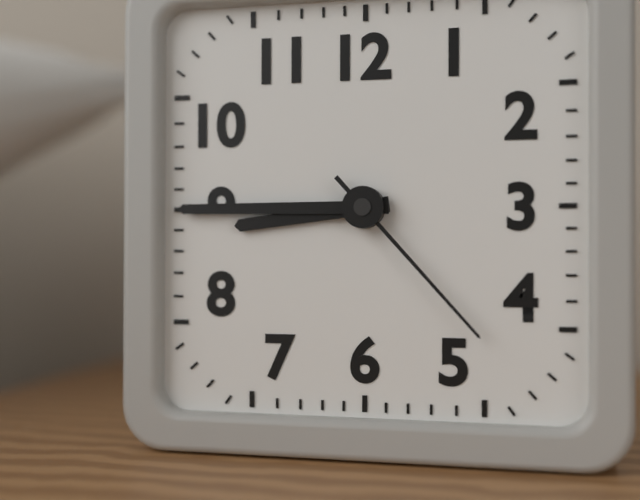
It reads **8:45:23**
